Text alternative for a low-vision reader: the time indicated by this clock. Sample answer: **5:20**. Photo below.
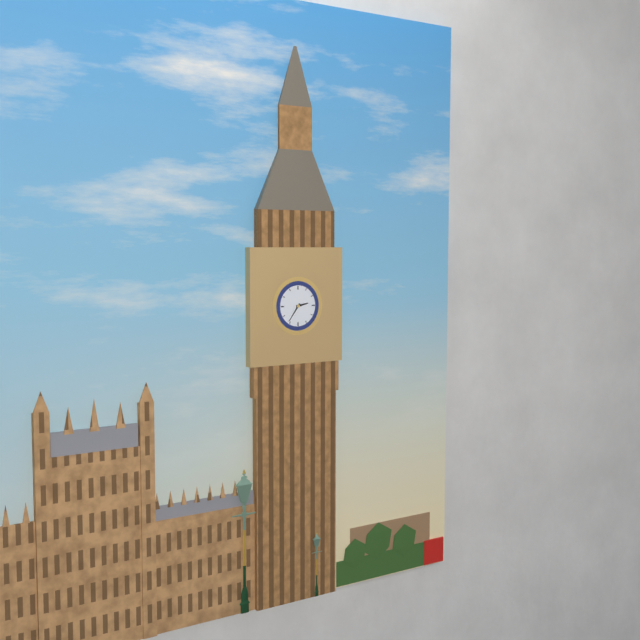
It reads **2:36**
